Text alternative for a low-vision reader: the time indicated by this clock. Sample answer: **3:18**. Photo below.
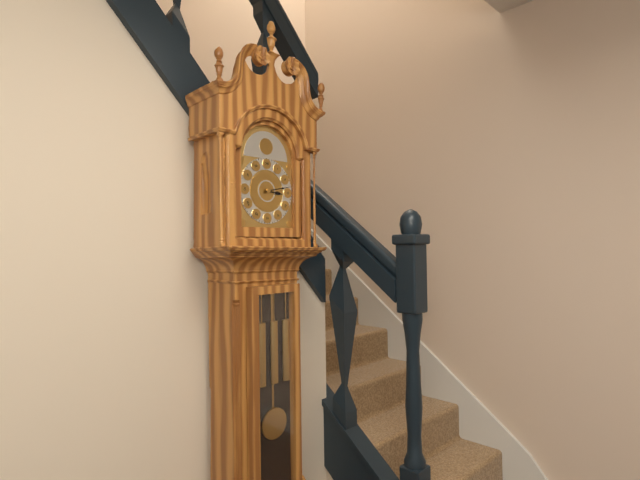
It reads **3:13**
